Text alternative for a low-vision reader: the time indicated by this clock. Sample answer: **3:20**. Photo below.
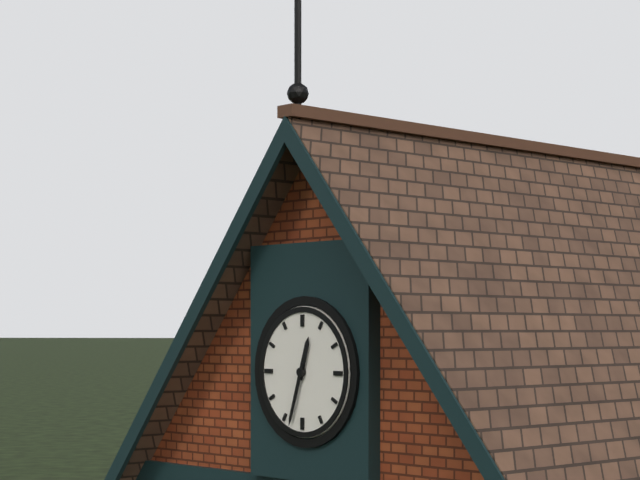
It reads **12:33**
